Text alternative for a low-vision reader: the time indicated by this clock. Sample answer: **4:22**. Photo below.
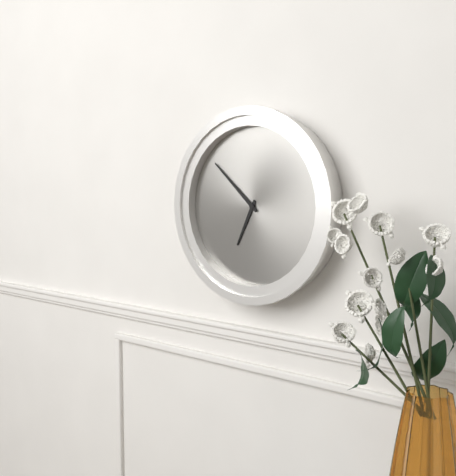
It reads **6:52**
